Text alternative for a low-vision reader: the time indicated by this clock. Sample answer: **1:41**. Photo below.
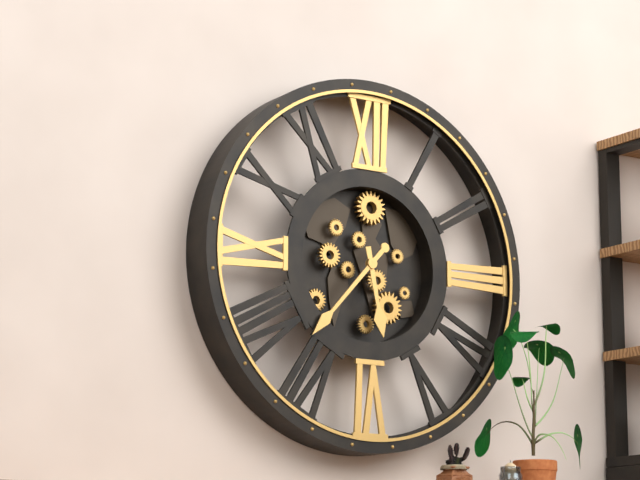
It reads **5:37**
